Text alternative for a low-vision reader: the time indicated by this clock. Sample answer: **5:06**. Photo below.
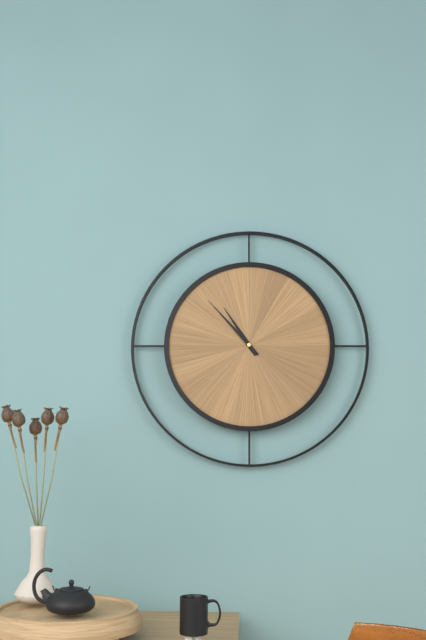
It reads **10:53**
